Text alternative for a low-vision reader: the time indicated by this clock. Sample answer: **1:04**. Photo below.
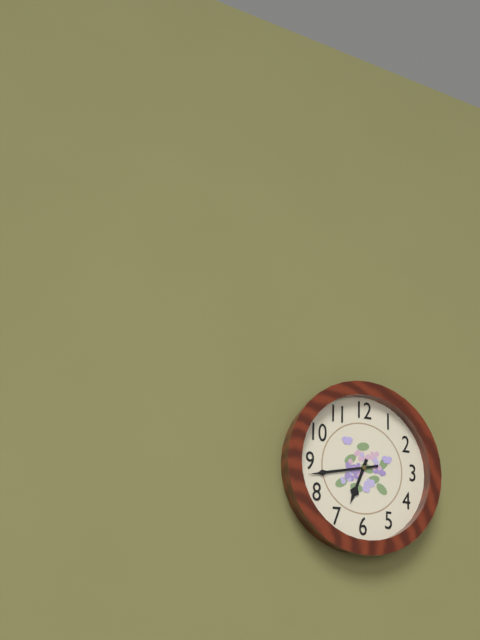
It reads **6:43**
